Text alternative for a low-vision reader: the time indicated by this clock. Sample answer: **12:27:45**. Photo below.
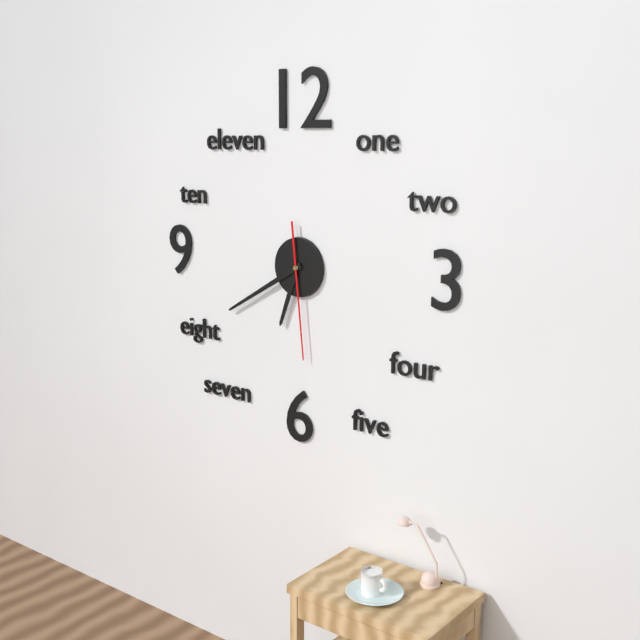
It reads **6:40:29**
